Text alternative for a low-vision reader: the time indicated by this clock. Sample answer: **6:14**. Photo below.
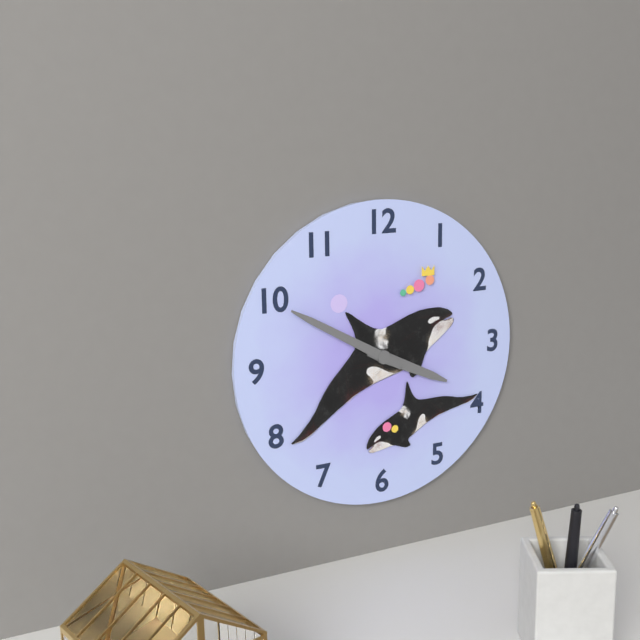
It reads **3:50**
